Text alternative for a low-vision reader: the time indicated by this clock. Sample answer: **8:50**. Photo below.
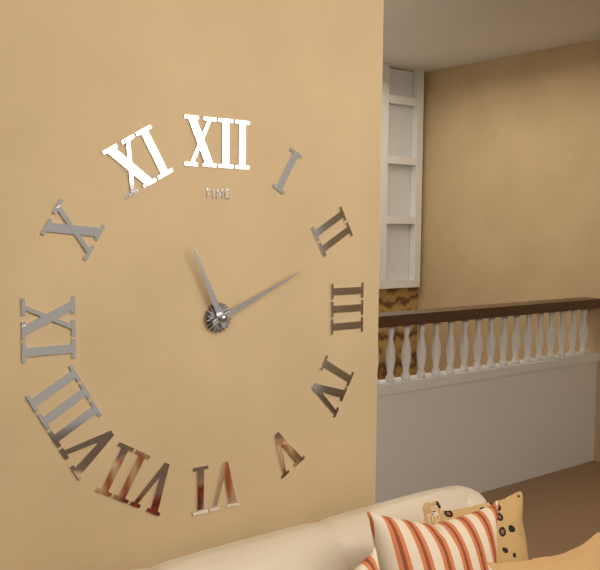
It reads **11:11**
